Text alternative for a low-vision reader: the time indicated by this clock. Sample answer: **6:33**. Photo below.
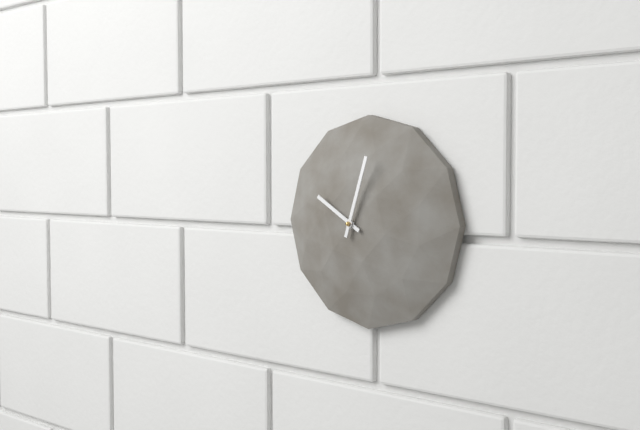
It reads **10:03**
